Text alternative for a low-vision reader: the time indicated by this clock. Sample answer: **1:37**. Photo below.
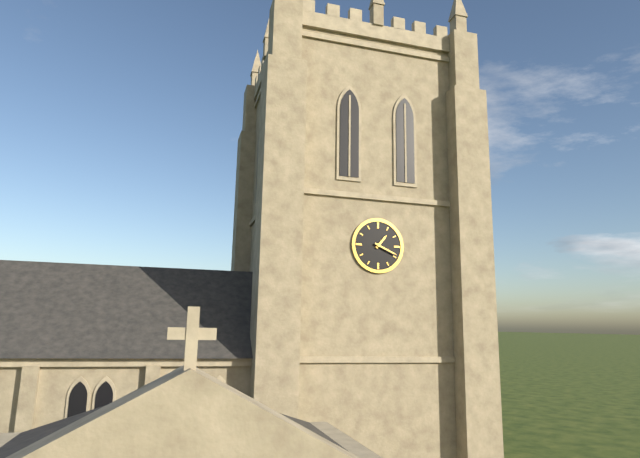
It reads **1:19**
